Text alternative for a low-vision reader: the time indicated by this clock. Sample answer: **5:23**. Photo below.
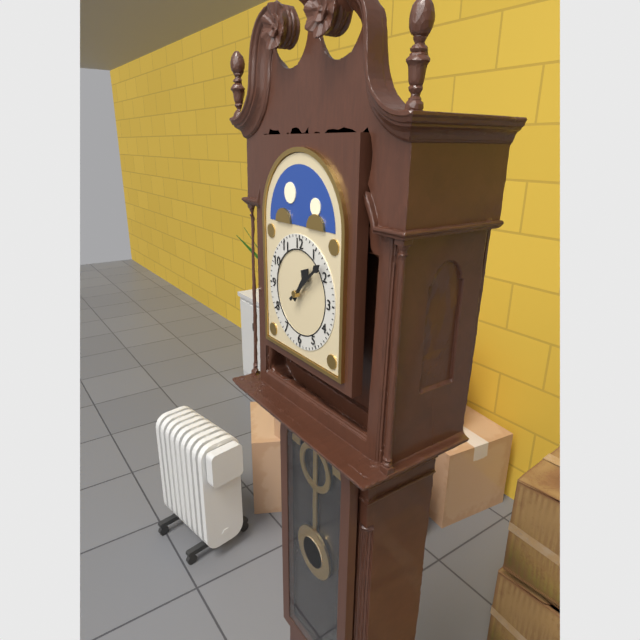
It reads **1:08**
